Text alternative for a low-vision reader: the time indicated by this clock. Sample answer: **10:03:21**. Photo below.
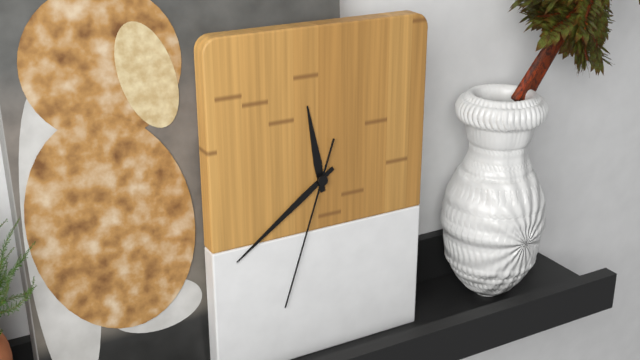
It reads **11:39:33**
